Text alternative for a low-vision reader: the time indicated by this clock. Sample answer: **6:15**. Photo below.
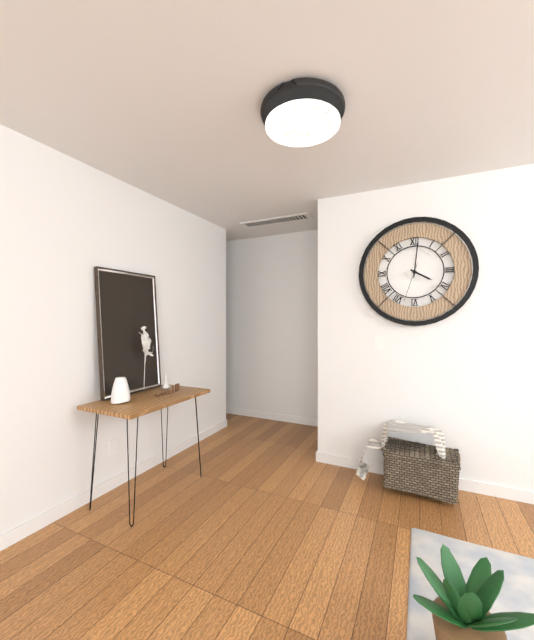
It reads **4:01**
